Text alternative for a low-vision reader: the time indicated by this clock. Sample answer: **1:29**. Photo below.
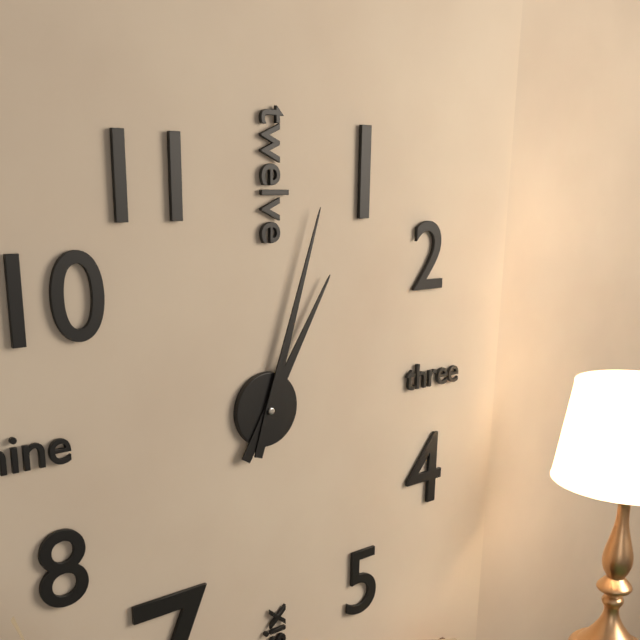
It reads **1:03**
